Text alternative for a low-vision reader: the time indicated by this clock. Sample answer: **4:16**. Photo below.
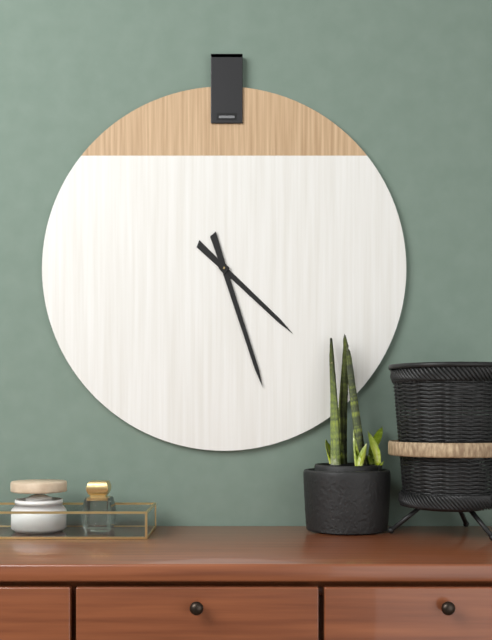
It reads **4:27**
